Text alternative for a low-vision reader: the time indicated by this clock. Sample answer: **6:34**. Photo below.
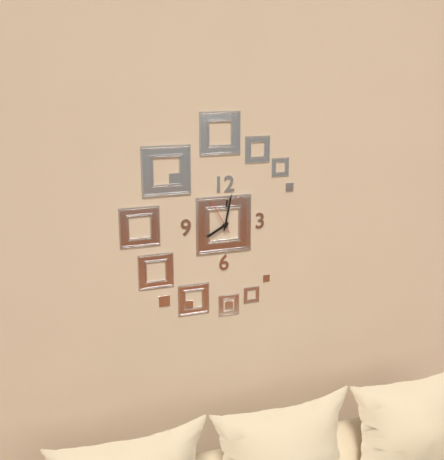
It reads **8:02**
